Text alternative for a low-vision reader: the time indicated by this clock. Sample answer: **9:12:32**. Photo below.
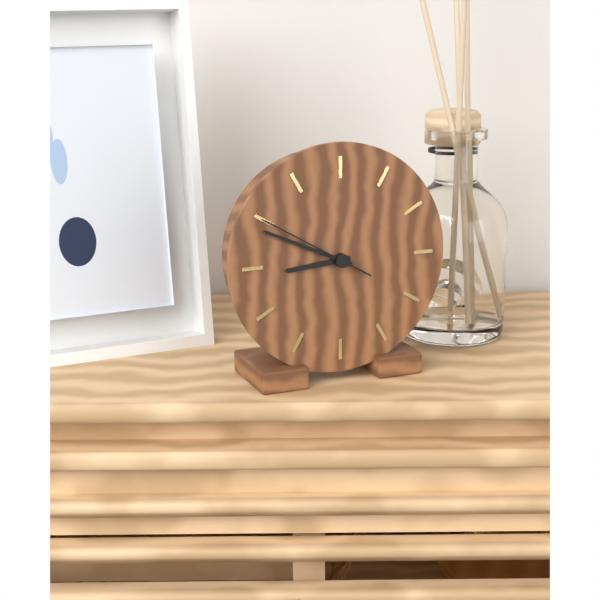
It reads **8:49:50**
